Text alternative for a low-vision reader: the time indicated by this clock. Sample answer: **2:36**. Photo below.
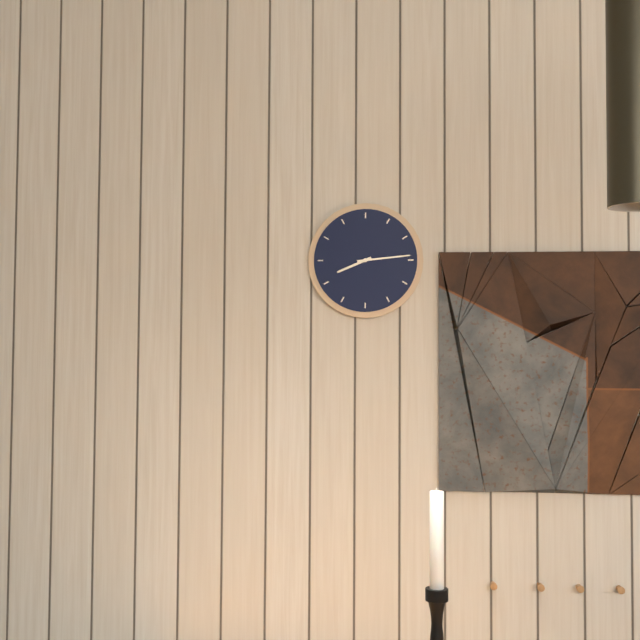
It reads **8:14**
